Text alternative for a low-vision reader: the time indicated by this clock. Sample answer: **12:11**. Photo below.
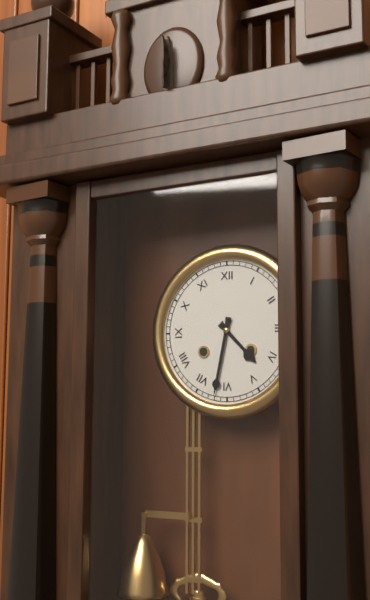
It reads **4:32**
